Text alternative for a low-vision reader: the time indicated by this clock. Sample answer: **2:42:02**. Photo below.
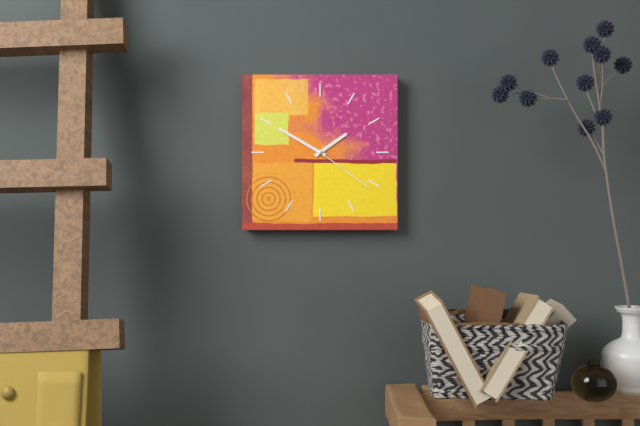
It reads **1:50:21**
